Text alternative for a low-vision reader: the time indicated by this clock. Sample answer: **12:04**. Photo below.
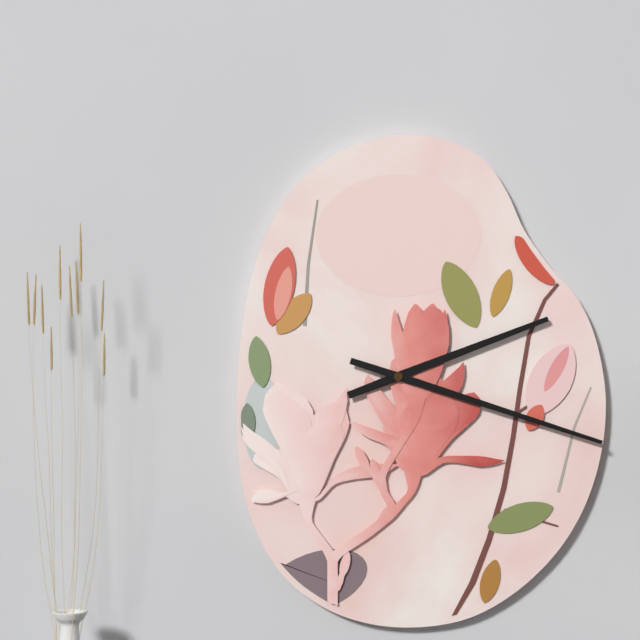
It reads **2:18**
